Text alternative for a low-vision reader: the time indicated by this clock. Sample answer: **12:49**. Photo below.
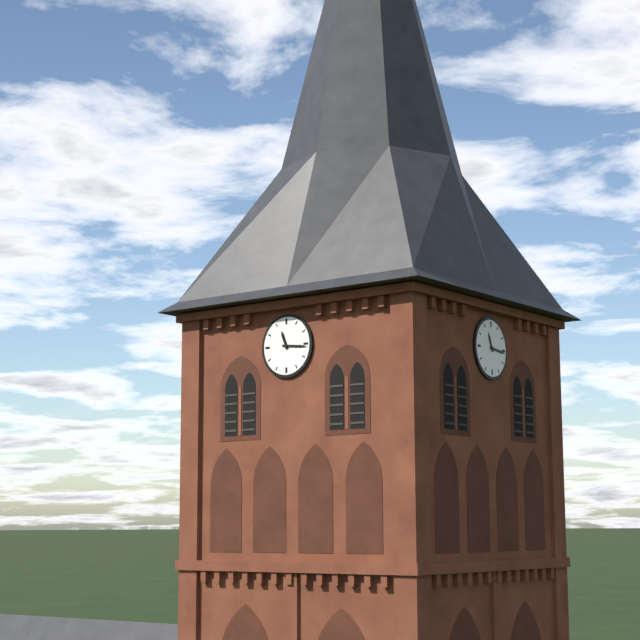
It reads **11:16**
